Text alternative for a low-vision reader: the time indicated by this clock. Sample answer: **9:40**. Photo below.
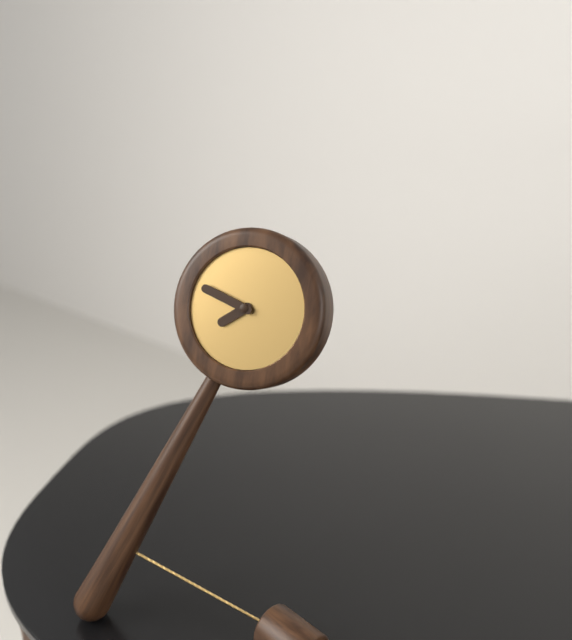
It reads **7:48**
